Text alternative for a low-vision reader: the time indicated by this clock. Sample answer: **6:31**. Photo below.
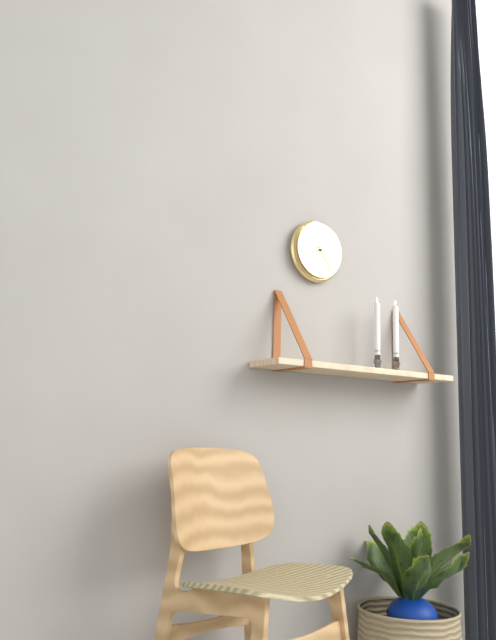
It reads **8:24**
